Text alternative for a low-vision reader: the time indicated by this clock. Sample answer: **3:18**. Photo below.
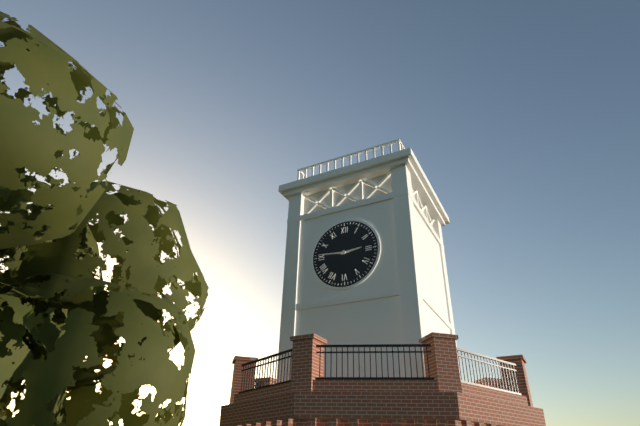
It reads **2:46**
